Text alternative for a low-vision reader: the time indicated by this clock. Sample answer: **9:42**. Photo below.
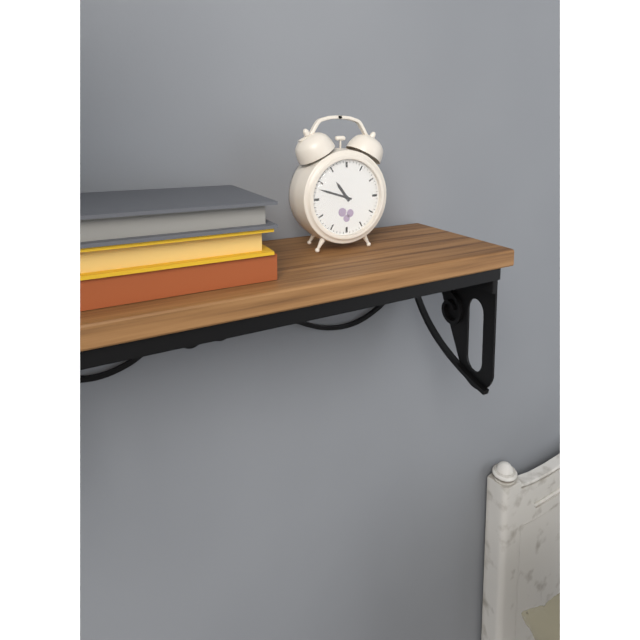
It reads **10:48**
